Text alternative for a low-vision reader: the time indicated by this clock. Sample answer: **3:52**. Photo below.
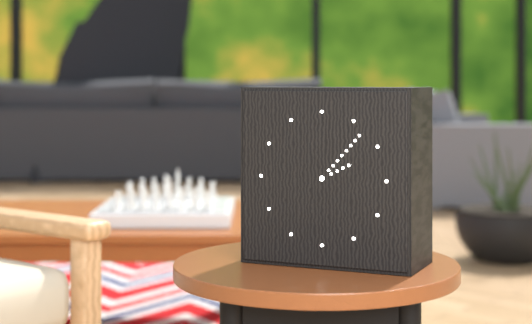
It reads **2:07**
